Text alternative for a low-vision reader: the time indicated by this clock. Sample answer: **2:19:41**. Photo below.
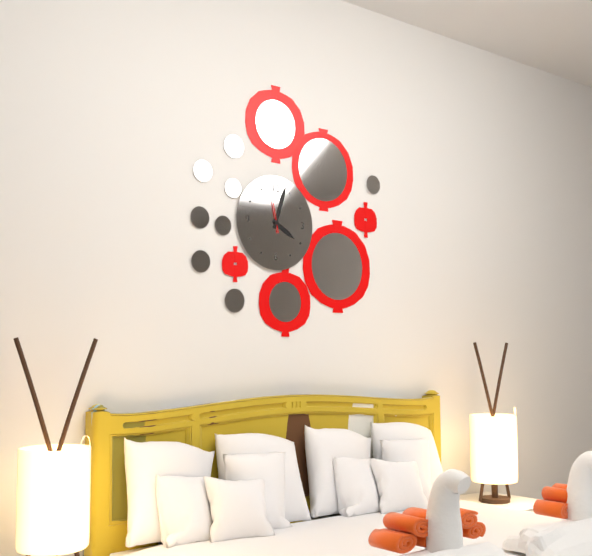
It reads **4:03:58**
